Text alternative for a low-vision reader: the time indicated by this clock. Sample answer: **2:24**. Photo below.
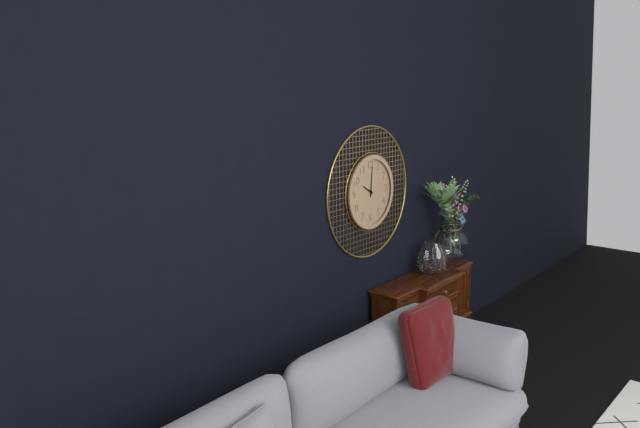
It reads **10:01**
